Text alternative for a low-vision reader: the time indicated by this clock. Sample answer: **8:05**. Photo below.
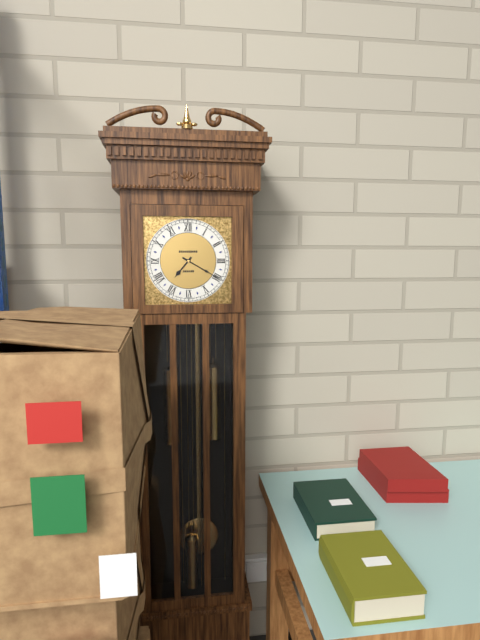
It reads **7:20**
